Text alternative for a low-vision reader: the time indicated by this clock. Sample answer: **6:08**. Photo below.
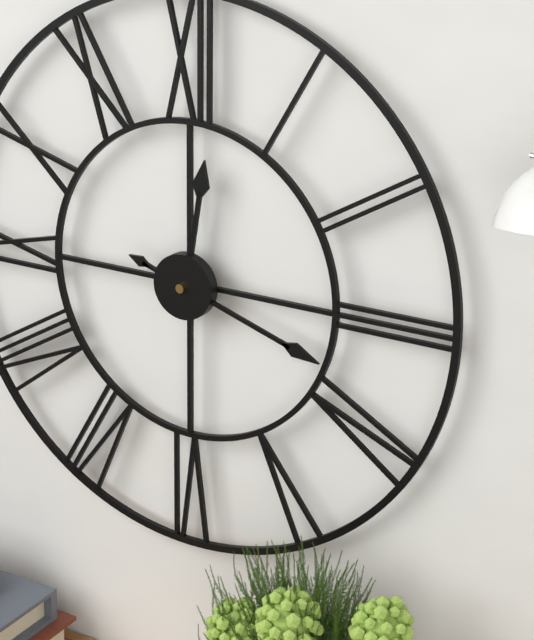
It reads **12:18**
